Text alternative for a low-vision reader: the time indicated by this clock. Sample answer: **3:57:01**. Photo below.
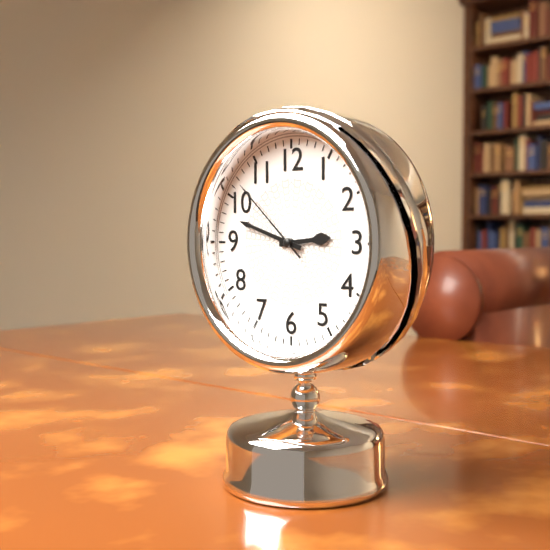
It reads **2:48:52**
